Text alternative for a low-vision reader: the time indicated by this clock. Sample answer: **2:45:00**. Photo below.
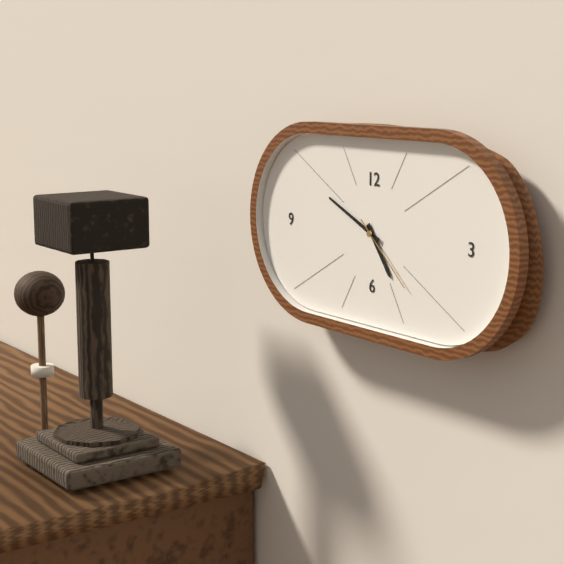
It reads **4:49:22**
